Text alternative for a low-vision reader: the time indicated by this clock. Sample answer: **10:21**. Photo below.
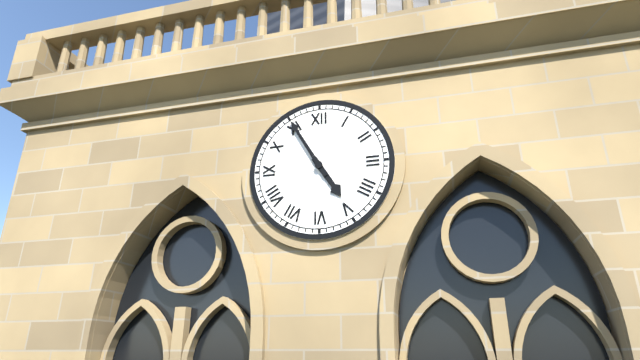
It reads **4:55**
